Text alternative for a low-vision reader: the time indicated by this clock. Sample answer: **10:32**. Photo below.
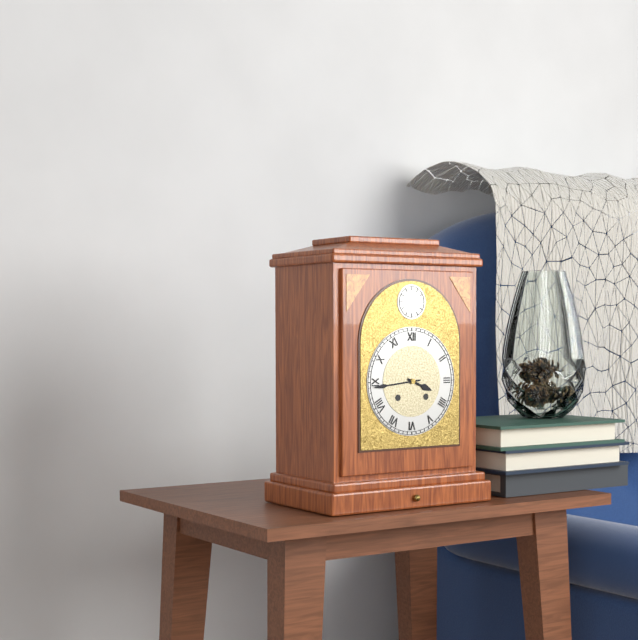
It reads **3:44**
